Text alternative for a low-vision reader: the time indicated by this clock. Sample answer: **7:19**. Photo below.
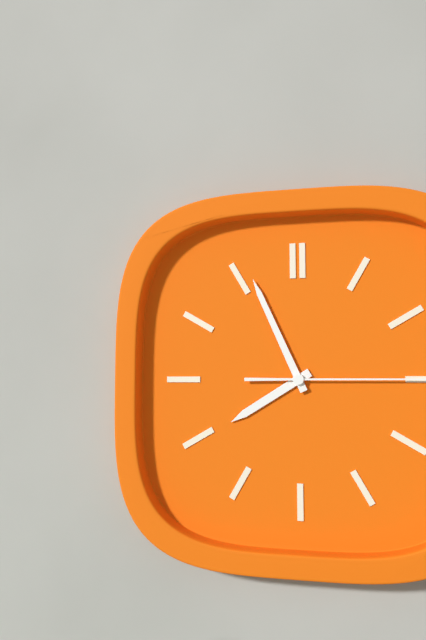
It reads **7:56**
